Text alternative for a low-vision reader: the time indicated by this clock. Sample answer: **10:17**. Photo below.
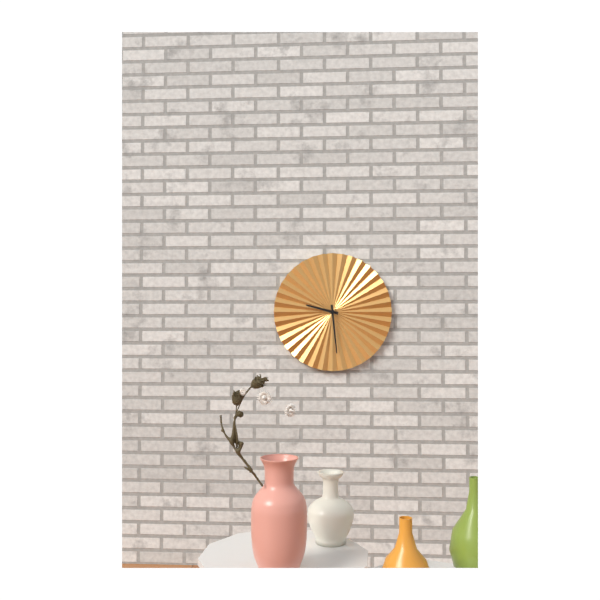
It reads **9:29**
